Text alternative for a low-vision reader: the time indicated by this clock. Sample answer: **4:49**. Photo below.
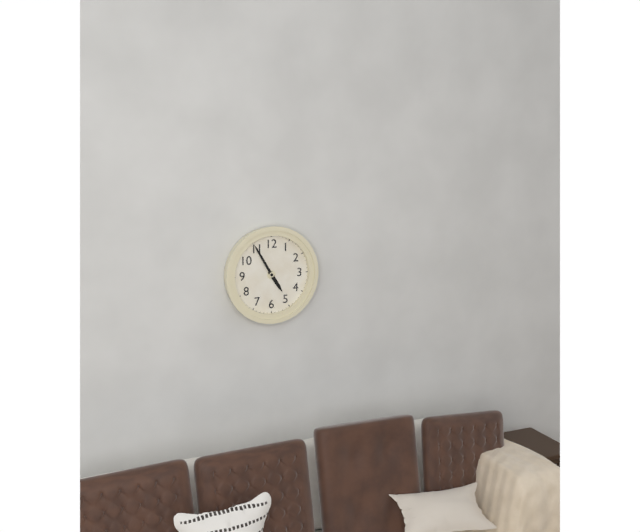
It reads **4:55**
